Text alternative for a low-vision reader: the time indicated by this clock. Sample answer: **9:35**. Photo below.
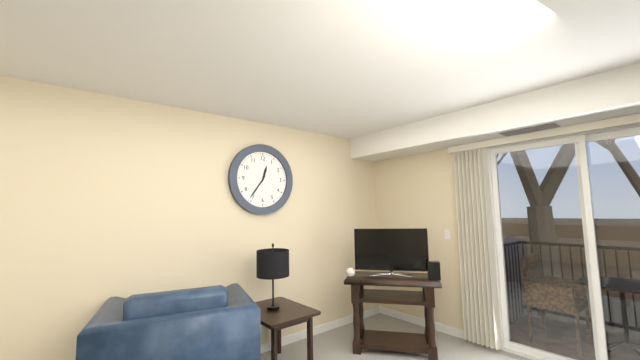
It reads **12:36**
